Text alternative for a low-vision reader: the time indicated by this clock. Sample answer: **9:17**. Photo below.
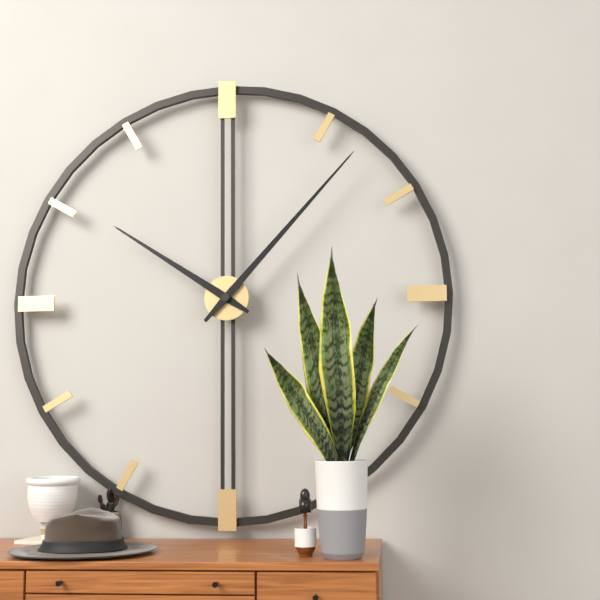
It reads **10:07**
